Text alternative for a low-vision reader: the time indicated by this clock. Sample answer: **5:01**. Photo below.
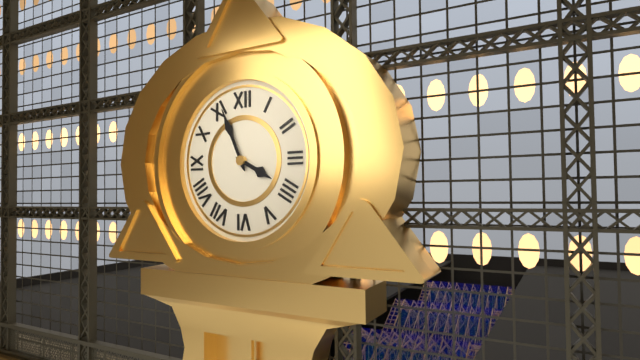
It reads **3:56**
